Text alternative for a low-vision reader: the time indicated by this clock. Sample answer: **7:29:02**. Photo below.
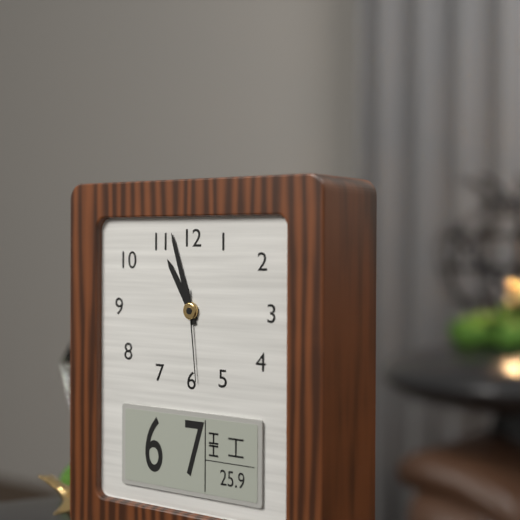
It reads **10:57:29**
